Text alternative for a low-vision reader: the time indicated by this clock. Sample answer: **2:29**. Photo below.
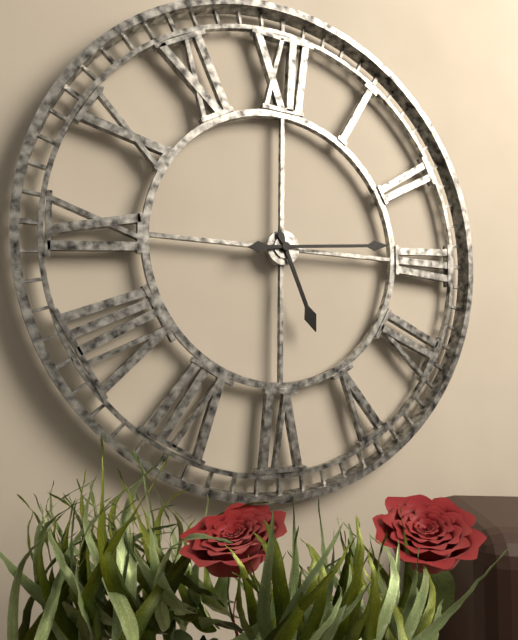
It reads **5:14**
